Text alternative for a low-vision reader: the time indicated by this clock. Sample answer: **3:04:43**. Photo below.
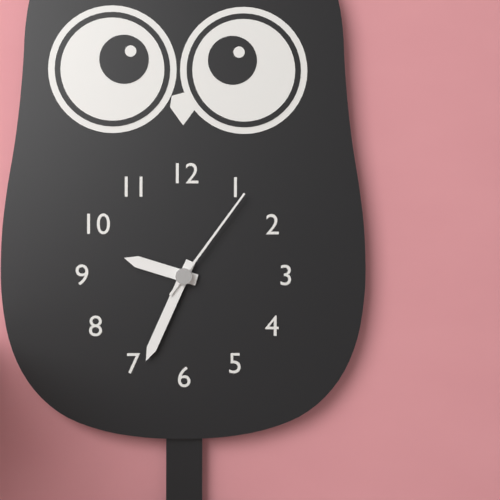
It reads **9:34:06**
